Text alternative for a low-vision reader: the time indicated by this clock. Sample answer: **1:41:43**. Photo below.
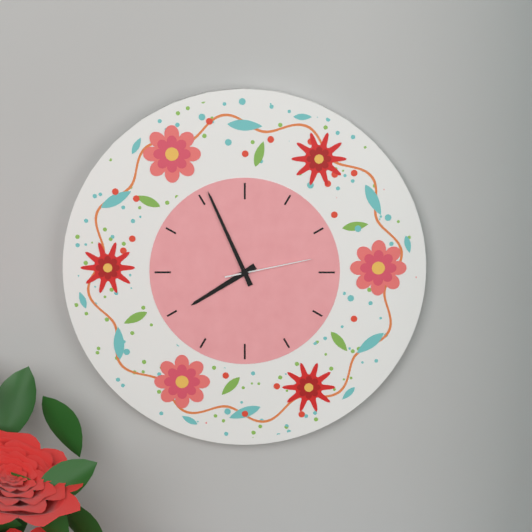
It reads **7:56:13**
